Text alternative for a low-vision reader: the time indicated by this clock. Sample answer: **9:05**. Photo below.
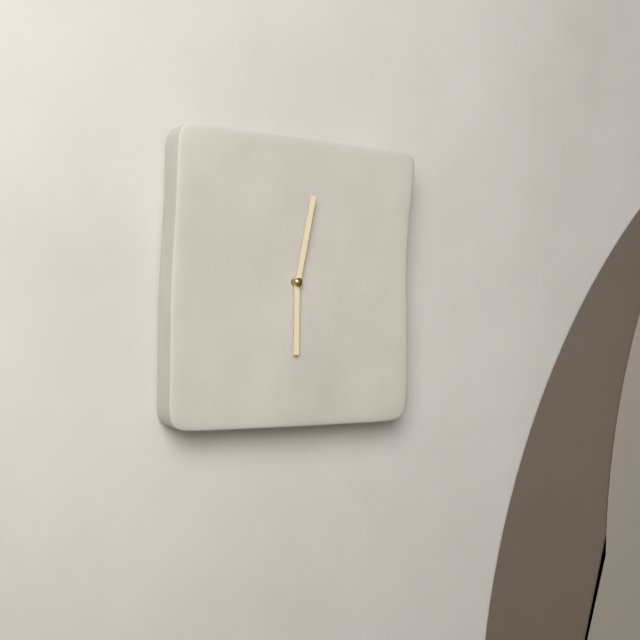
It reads **6:02**
